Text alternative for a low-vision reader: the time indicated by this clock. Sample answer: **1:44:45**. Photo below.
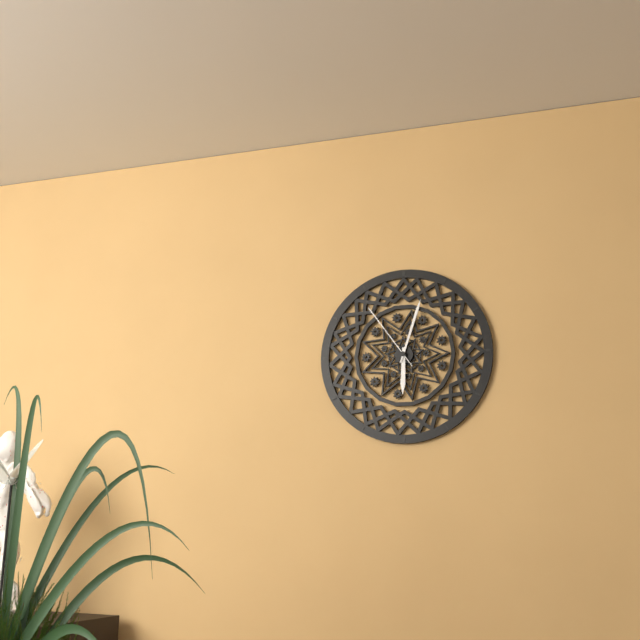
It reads **6:03:54**
